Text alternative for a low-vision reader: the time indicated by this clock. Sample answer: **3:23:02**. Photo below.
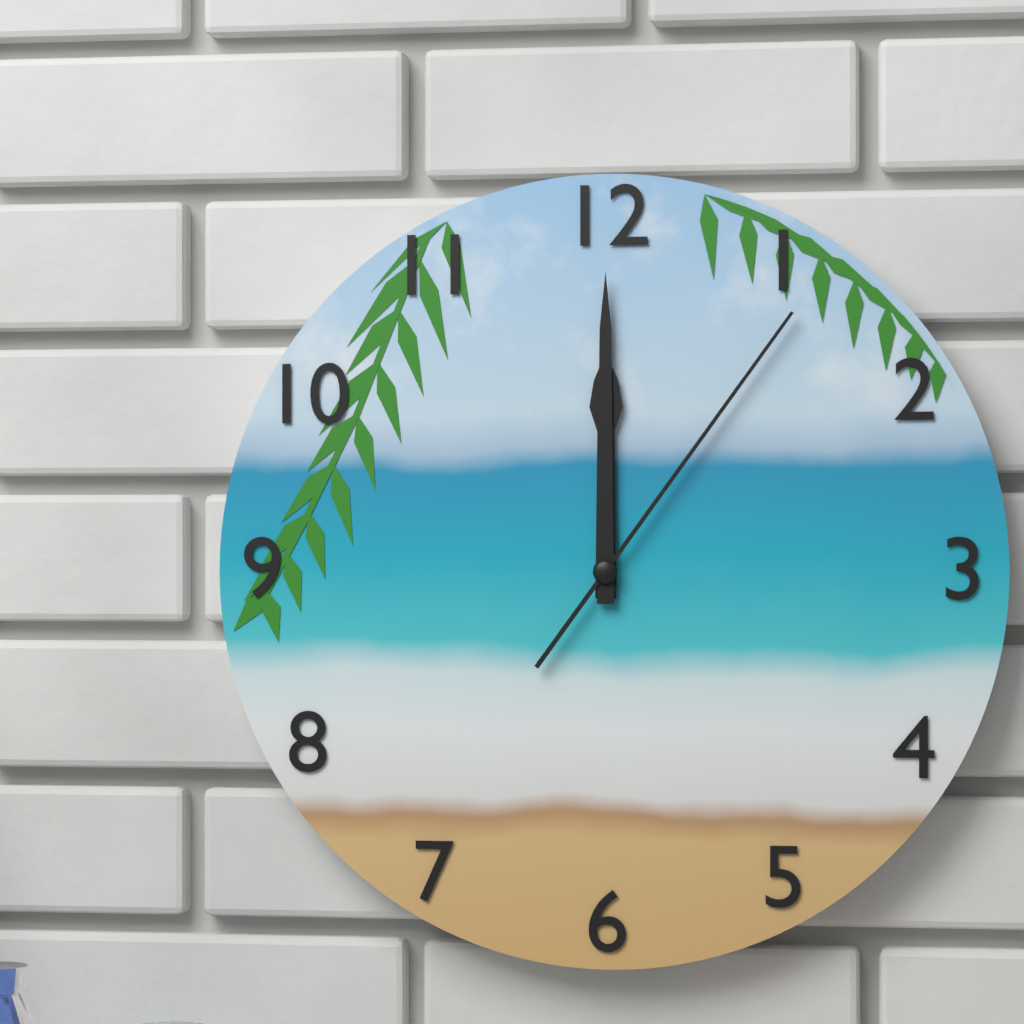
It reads **12:00:06**
